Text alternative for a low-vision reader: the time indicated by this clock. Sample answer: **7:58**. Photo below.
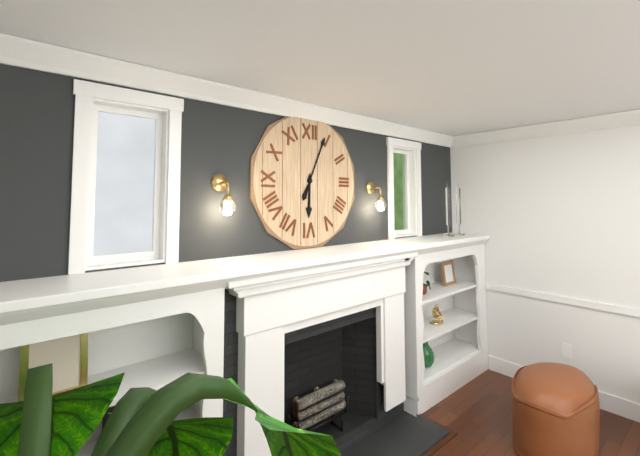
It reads **6:04**
